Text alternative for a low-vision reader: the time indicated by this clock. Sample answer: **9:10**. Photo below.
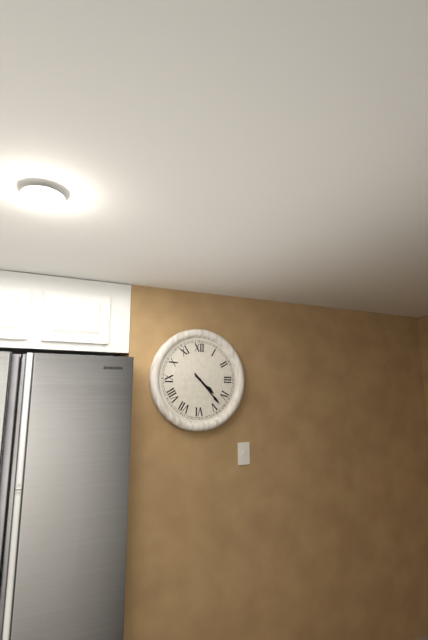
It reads **4:23**
